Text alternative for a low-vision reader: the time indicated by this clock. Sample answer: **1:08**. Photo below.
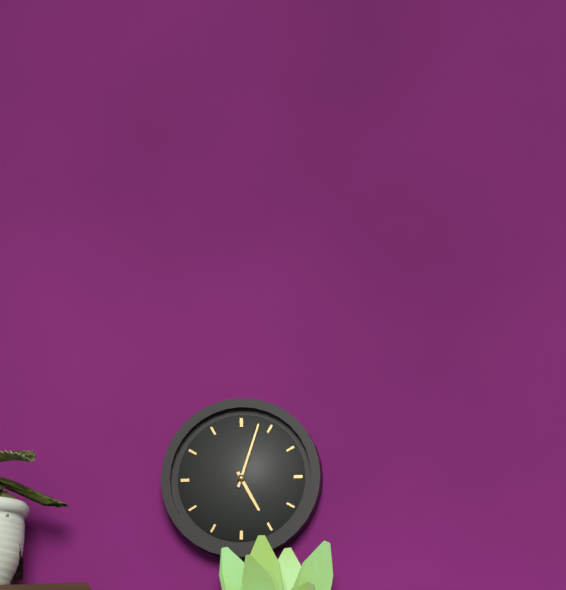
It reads **5:03**
